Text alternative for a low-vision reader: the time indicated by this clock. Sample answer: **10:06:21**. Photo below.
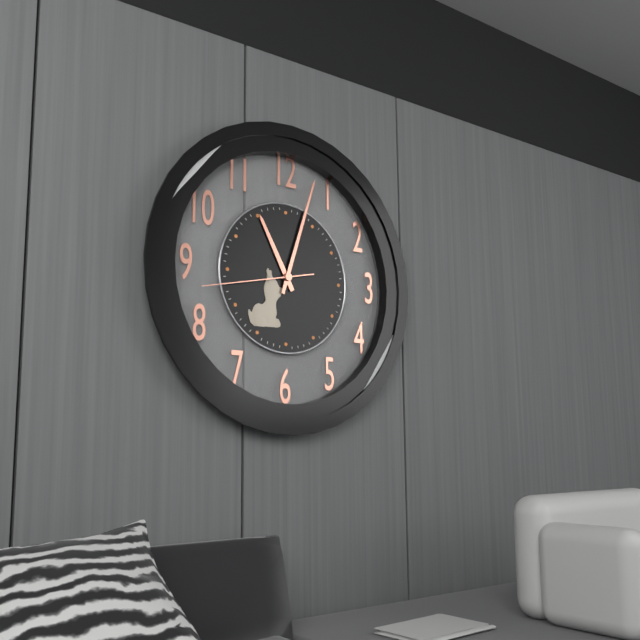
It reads **11:03:43**
